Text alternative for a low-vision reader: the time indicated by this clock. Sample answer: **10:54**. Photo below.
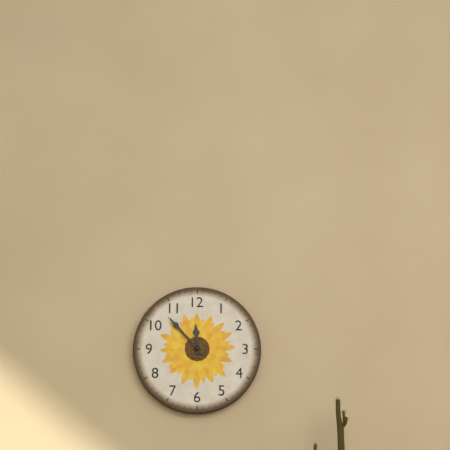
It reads **11:53**
